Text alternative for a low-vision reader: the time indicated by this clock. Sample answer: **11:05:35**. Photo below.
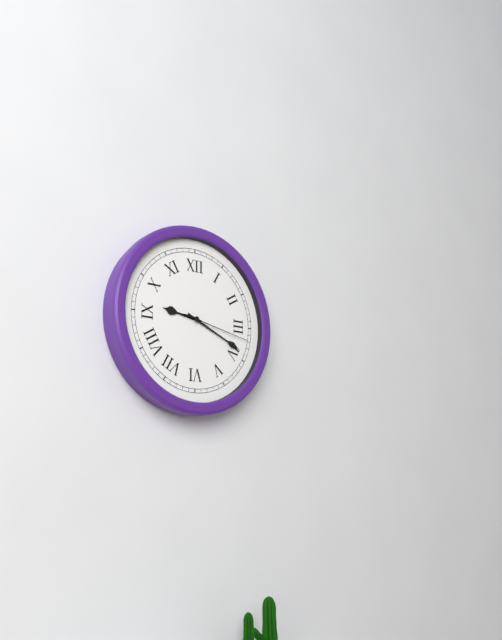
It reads **9:19:17**
